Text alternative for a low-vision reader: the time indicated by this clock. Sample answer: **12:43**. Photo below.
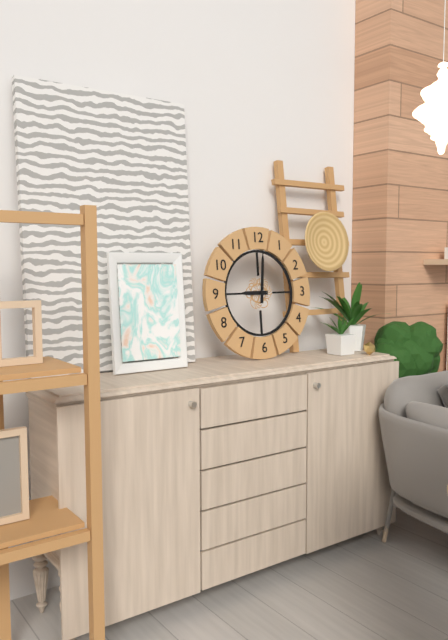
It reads **9:01**
